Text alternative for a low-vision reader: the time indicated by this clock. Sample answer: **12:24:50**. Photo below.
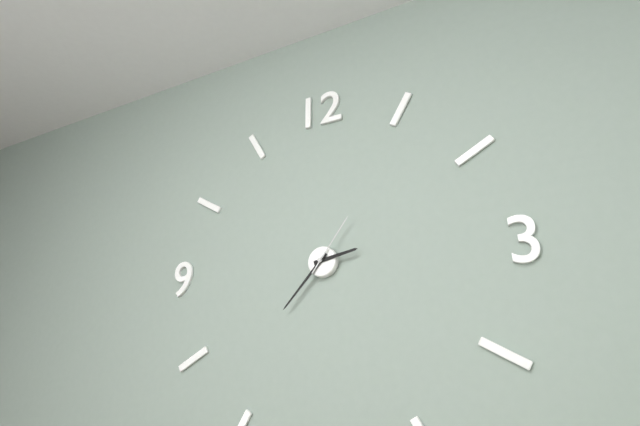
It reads **2:37:06**
